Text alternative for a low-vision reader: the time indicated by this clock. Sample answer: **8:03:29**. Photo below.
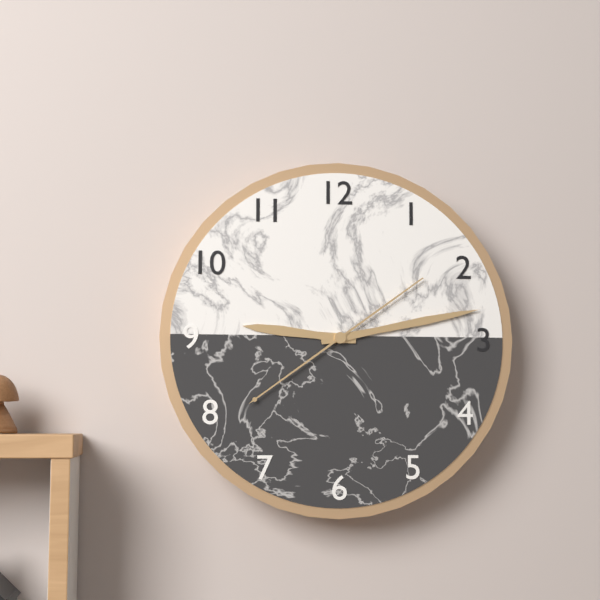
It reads **9:13:39**
